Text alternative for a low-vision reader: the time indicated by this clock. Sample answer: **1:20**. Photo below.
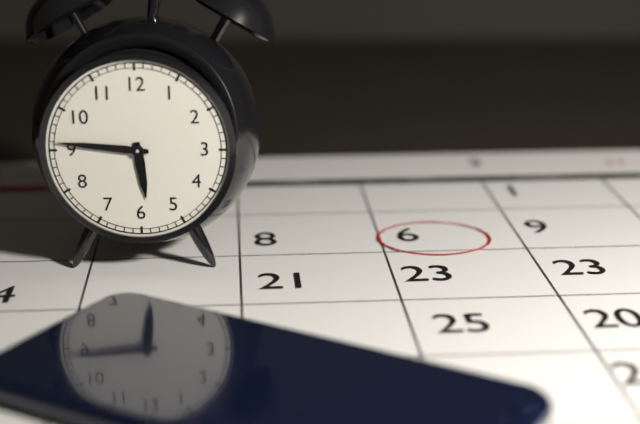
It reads **5:46**
